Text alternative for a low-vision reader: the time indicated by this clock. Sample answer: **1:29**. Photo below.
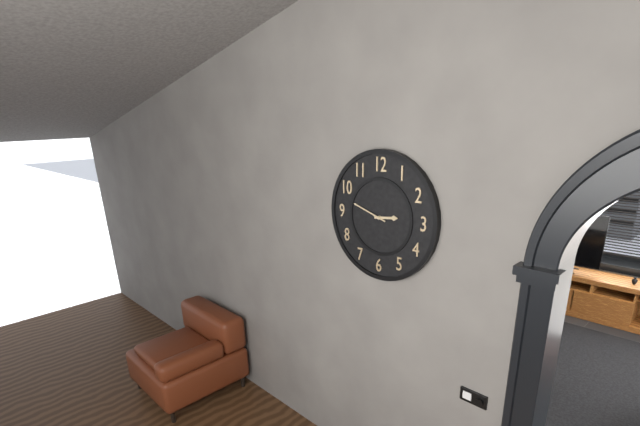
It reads **2:48**
